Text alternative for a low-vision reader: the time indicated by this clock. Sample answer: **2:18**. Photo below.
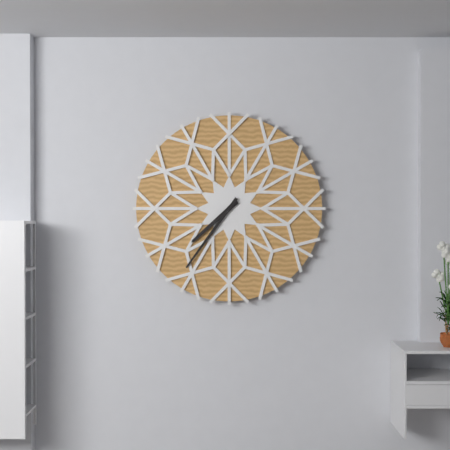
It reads **7:36**
